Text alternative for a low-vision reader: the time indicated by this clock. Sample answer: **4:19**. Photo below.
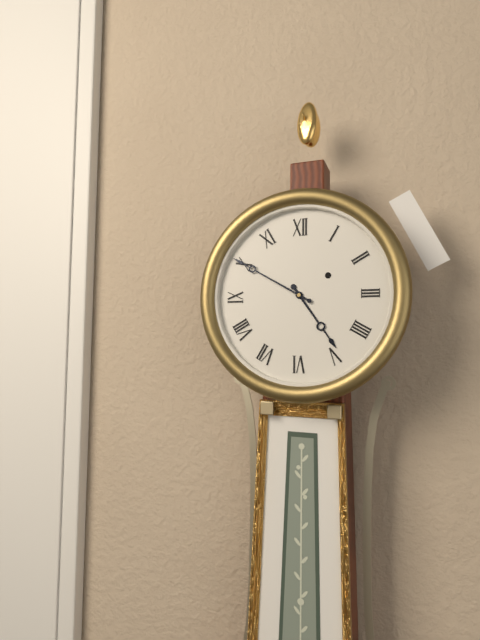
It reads **4:50**
